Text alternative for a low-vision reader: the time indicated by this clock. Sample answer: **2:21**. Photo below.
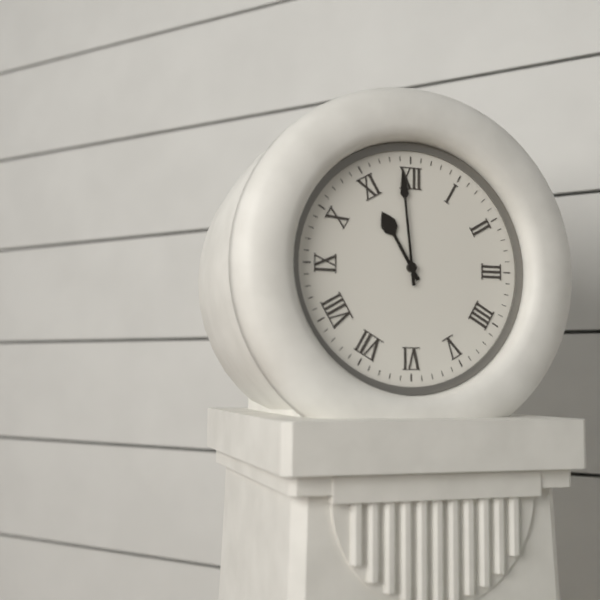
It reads **10:59**
